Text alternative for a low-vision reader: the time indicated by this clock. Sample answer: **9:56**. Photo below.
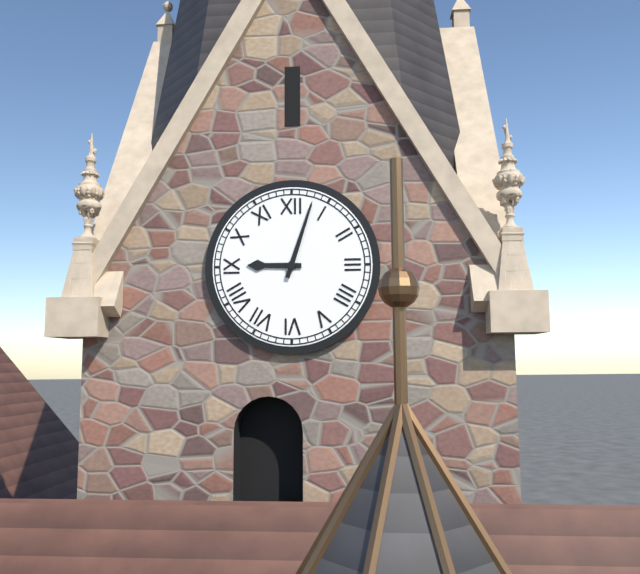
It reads **9:03**
